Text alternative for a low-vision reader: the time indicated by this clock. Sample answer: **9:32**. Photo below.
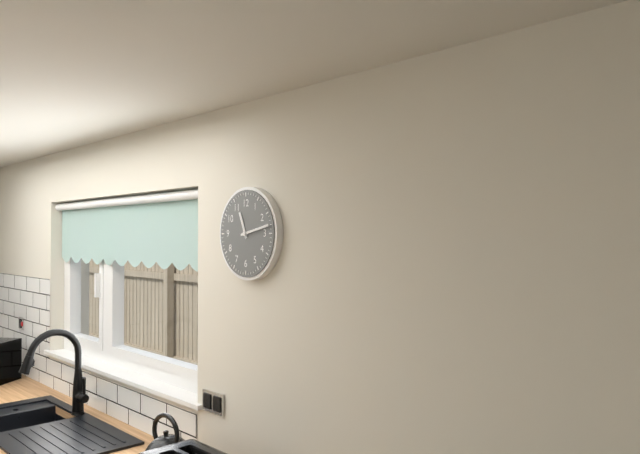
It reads **11:13**
